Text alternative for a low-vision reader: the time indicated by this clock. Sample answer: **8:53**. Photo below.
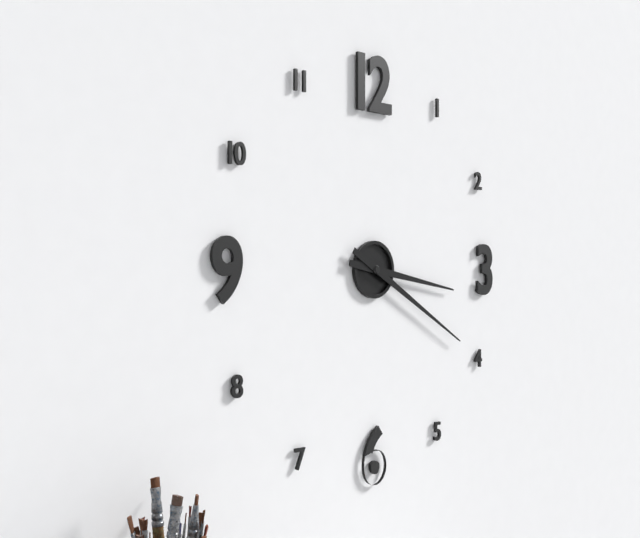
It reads **3:20**
